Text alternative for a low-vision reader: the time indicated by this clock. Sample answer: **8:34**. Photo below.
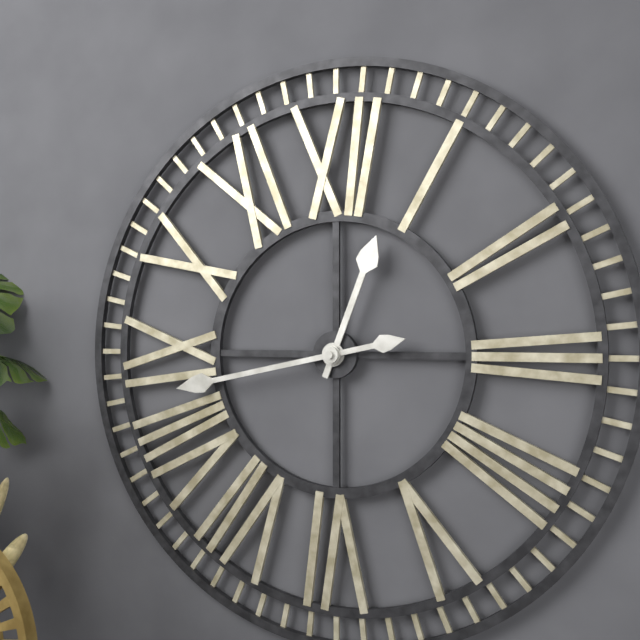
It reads **12:43**
